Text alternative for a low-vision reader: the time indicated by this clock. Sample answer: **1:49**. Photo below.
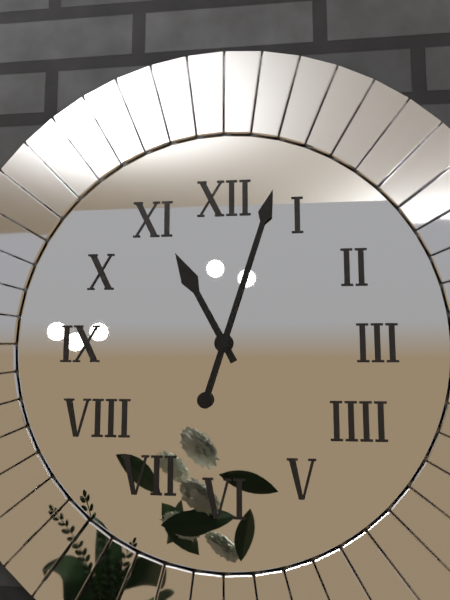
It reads **11:03**
